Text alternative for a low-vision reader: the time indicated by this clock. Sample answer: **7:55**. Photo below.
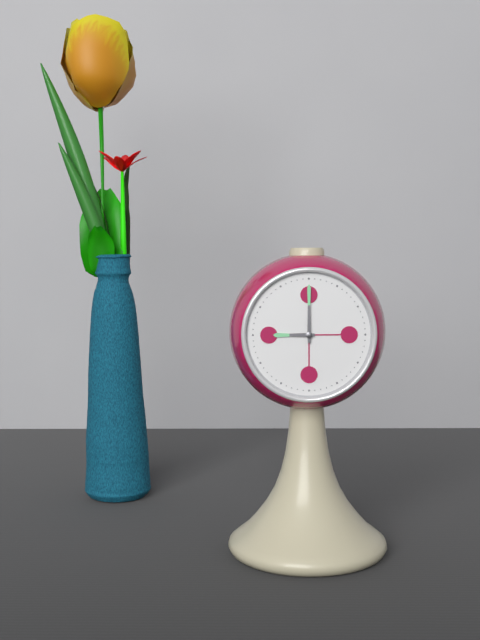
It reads **9:00**
